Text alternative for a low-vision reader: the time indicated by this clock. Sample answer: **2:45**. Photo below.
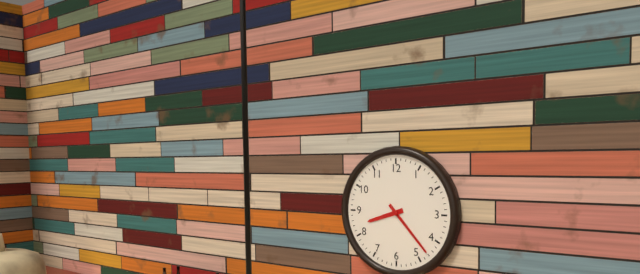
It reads **8:23**
